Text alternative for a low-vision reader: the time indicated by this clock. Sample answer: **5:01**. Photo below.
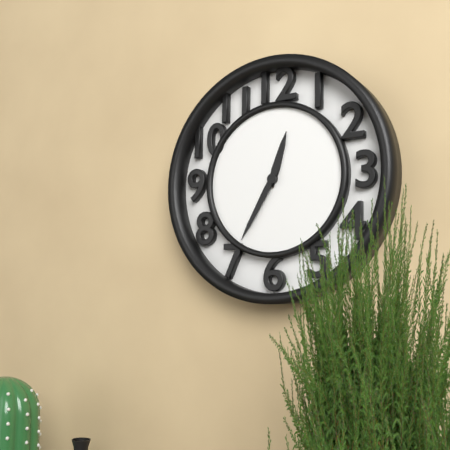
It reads **12:35**
